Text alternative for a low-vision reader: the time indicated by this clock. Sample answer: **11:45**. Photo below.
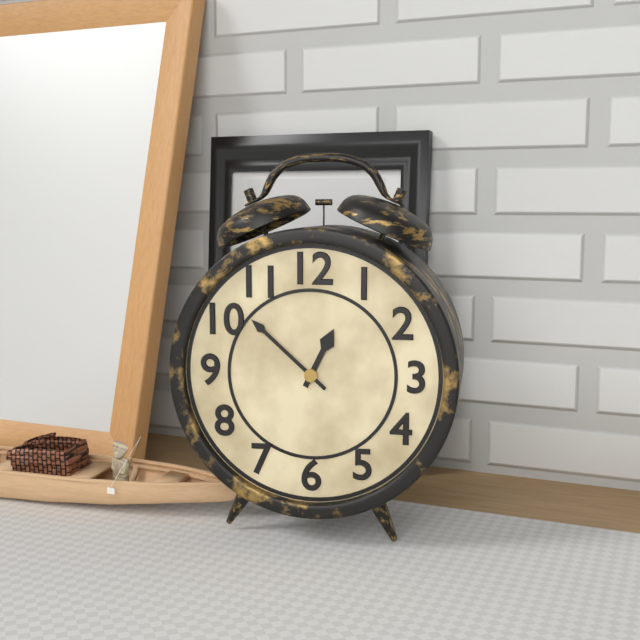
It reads **12:52**
